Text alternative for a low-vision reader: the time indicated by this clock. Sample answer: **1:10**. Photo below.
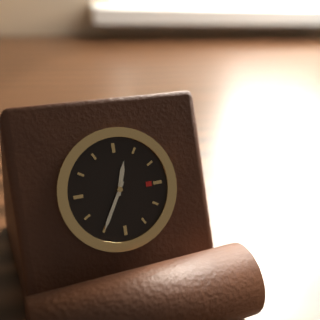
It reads **12:35**
